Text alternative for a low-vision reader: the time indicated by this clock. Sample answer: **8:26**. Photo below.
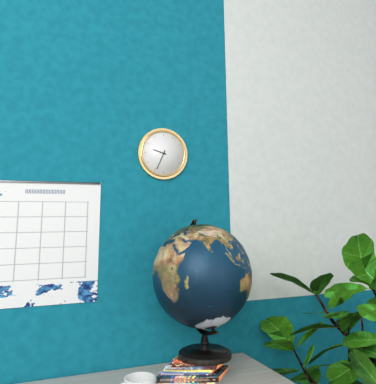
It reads **9:34**
